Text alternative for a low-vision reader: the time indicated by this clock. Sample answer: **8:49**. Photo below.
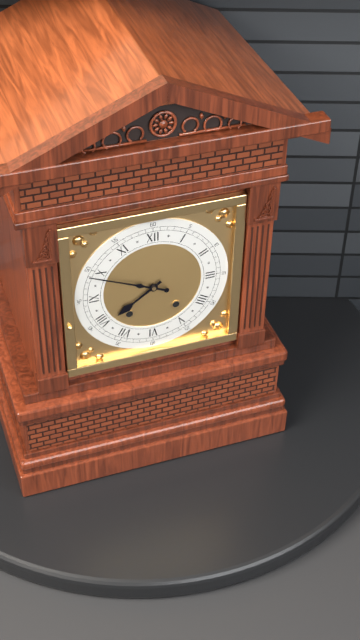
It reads **7:49**
